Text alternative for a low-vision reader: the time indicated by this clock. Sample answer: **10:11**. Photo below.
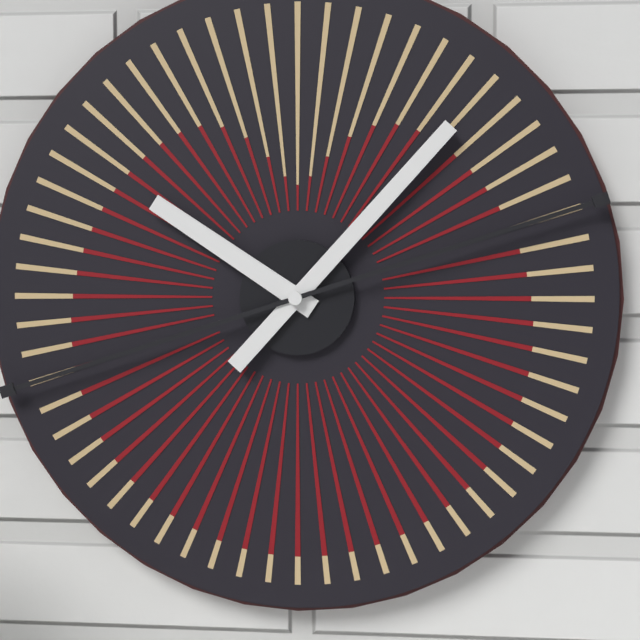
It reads **10:07**
